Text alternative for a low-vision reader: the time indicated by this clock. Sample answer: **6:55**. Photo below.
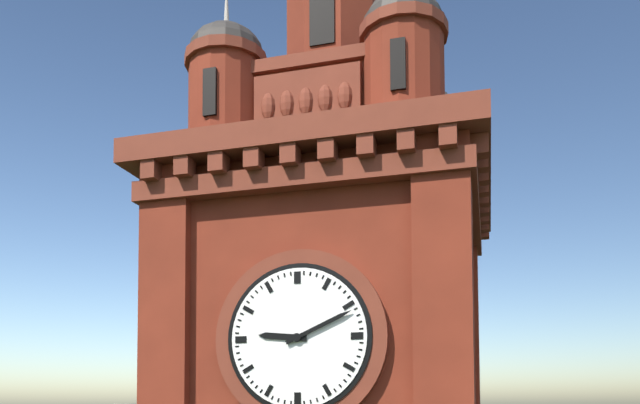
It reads **9:11**
